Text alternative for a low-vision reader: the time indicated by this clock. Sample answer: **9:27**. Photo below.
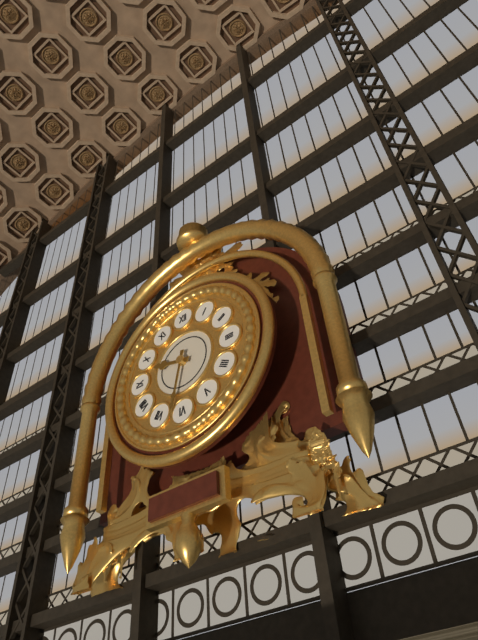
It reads **9:32**
